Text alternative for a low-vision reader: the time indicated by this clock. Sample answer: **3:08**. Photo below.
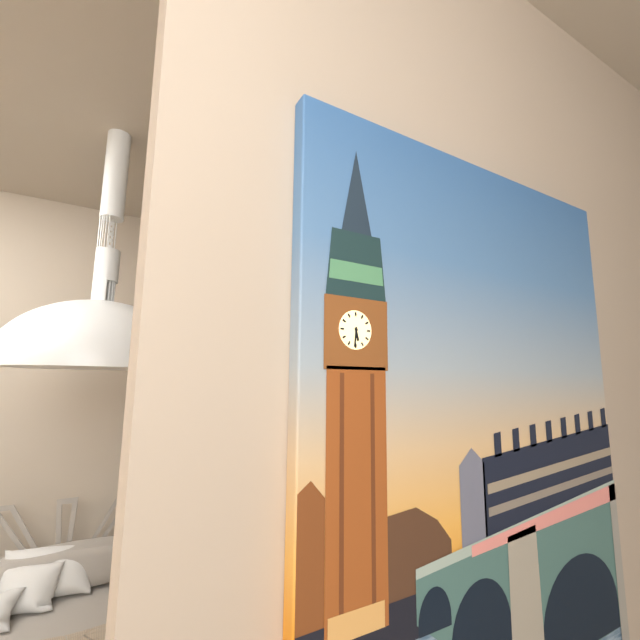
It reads **5:31**
